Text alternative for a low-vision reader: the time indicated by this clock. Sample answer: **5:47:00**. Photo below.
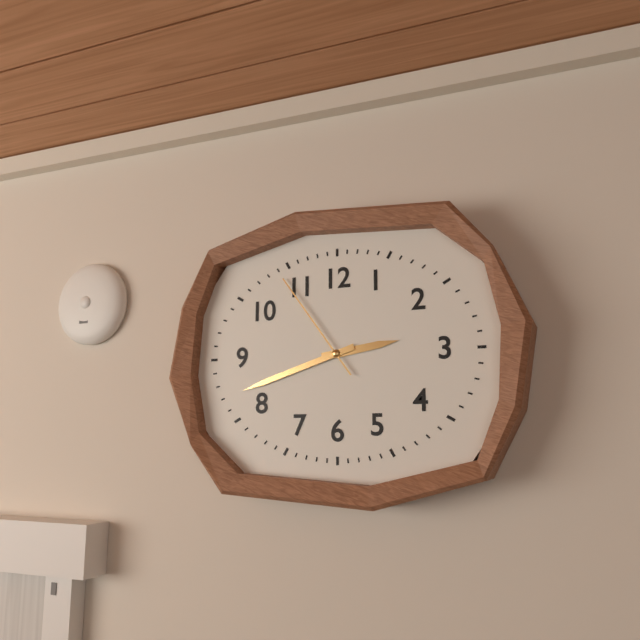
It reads **2:42:54**
